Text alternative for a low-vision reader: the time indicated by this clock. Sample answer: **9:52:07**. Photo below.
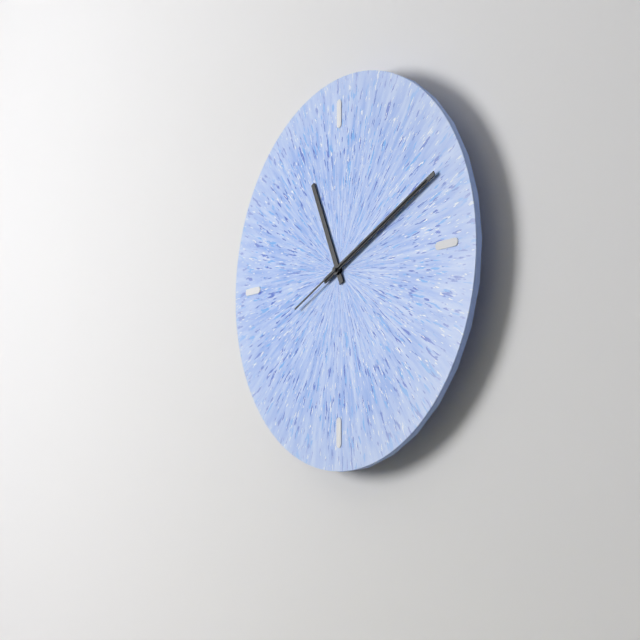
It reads **11:11:11**
